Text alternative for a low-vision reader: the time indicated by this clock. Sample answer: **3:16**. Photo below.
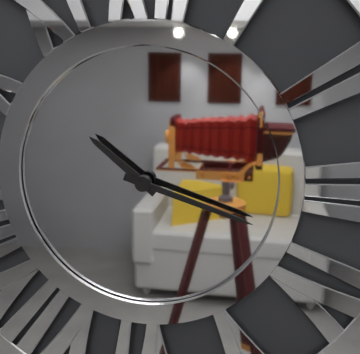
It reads **10:18**
